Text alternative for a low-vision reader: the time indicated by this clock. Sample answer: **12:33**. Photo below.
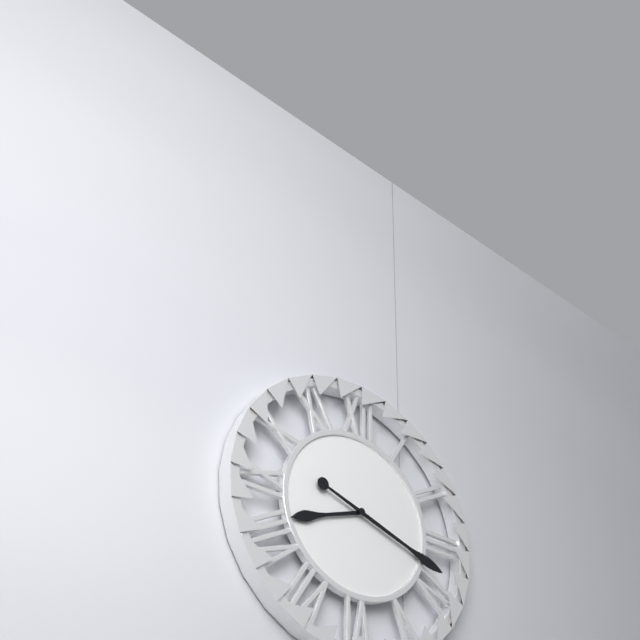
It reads **8:18**
